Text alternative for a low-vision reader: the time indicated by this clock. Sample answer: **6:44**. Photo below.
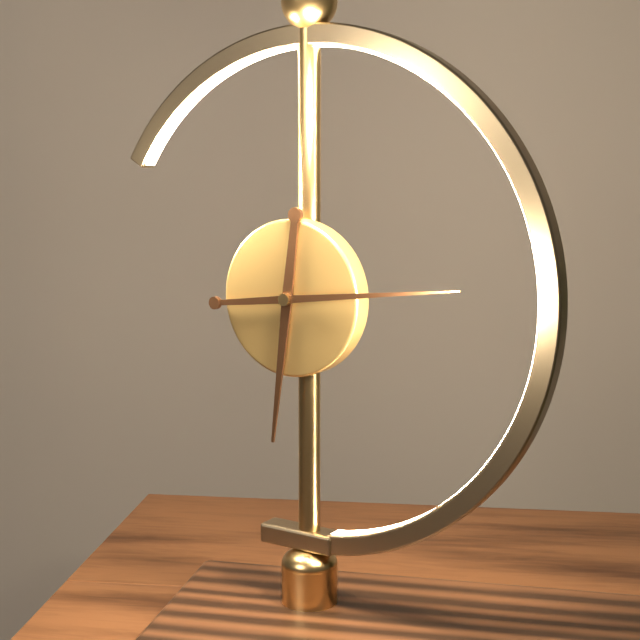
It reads **6:14**
